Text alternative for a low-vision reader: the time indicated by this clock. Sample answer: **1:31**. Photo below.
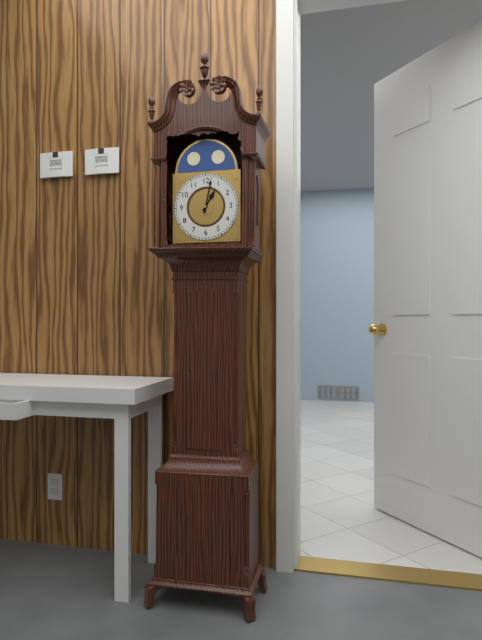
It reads **1:02**
